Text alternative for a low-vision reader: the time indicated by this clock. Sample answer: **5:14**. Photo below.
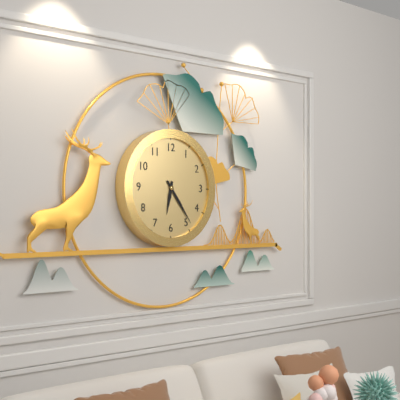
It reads **6:24**
